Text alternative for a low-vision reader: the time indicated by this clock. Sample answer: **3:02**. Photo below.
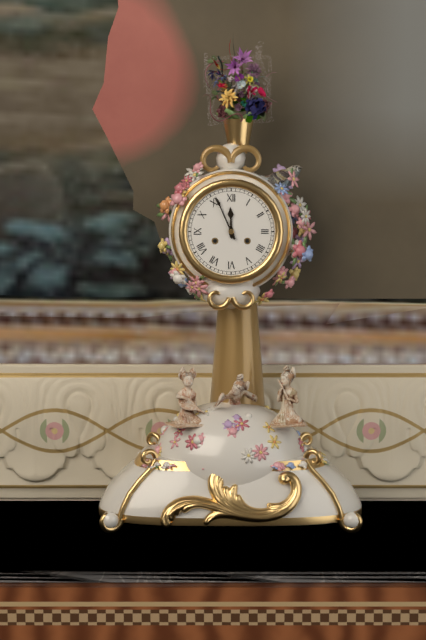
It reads **11:56**
